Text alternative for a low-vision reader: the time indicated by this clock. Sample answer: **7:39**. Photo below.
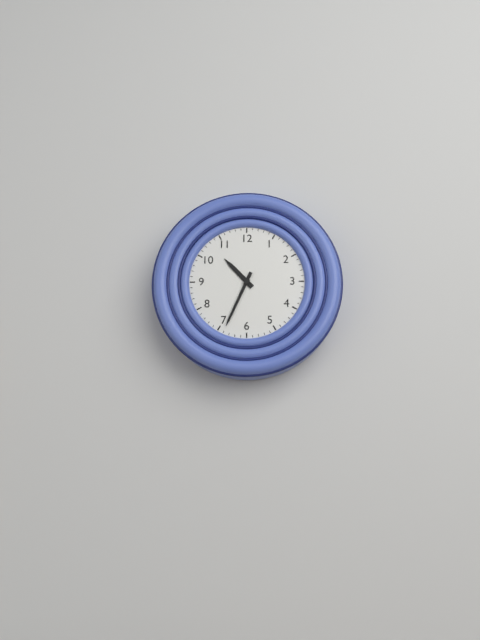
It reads **10:34**
